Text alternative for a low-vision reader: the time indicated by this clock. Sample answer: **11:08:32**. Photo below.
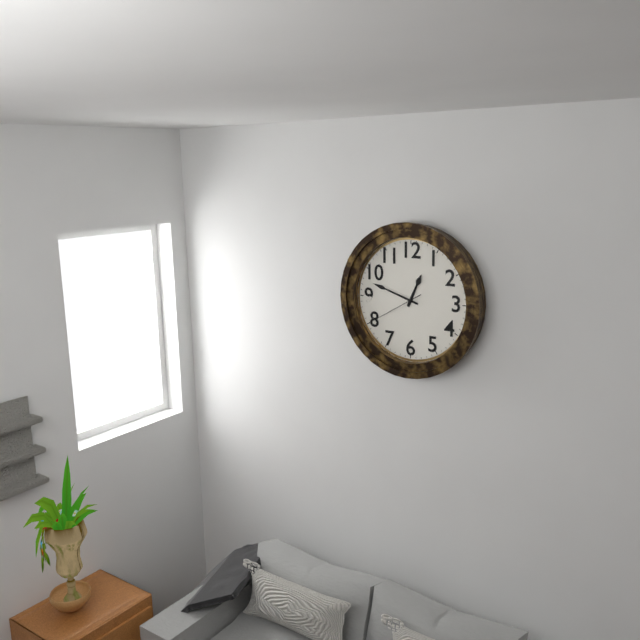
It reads **12:48:40**
